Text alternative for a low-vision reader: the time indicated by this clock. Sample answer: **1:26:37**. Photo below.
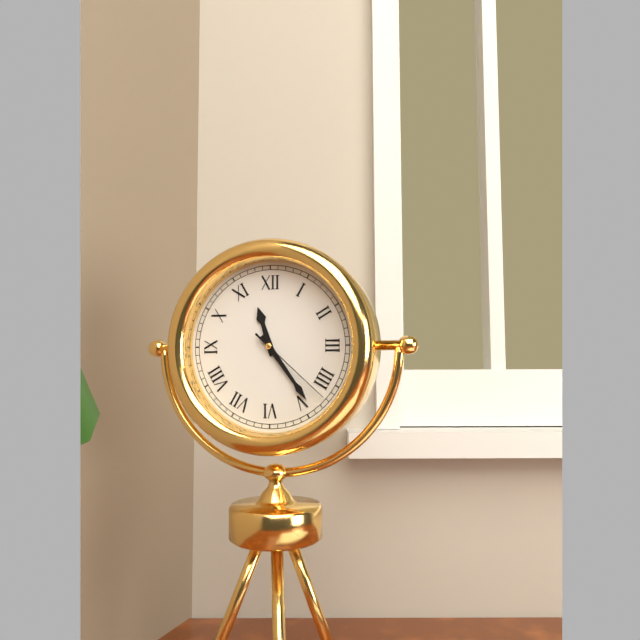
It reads **11:24:22**
